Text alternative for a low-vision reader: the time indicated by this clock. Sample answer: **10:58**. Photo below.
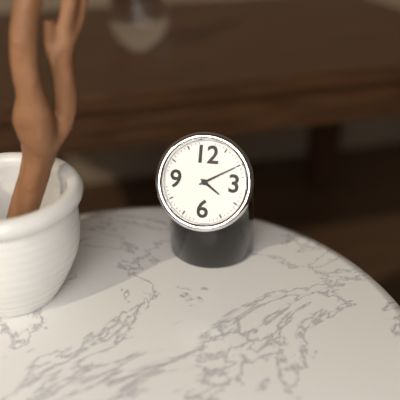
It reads **4:10**
